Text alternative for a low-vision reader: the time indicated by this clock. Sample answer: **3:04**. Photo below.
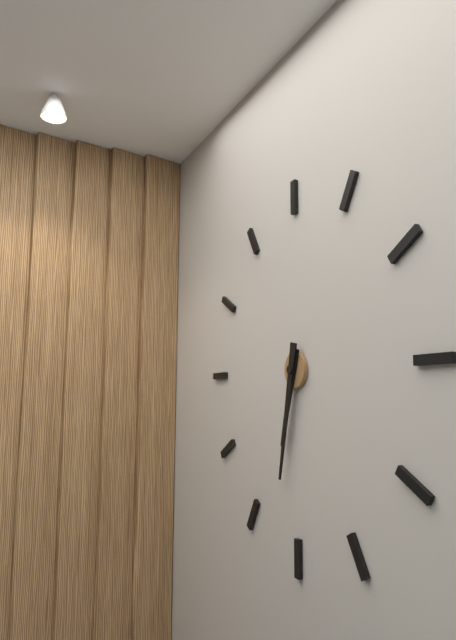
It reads **6:32**
